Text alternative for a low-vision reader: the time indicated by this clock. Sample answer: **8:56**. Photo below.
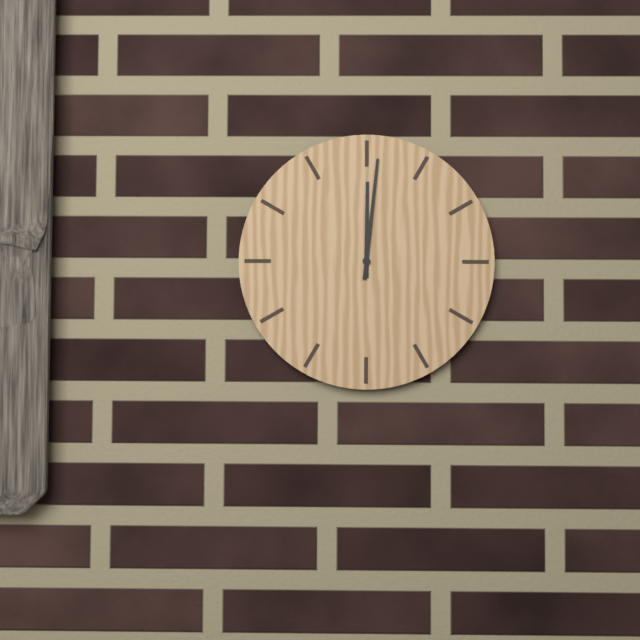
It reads **12:01**
